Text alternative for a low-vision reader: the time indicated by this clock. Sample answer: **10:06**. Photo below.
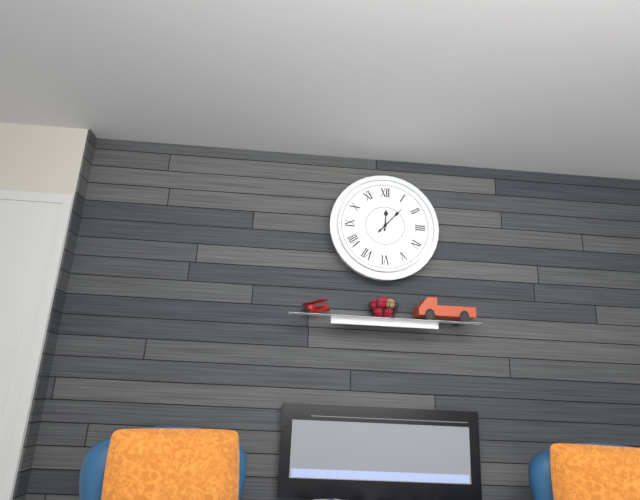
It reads **12:07**
